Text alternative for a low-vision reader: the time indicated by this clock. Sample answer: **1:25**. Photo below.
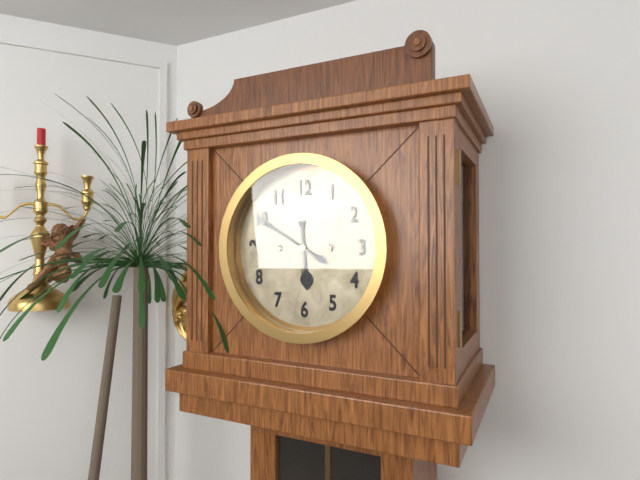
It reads **5:50**
